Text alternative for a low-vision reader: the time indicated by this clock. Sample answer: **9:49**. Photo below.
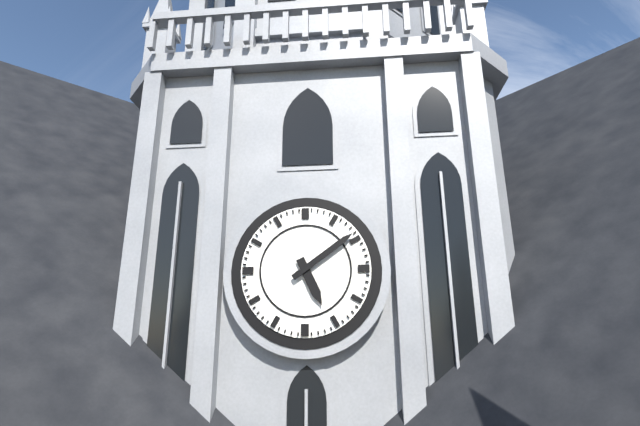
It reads **5:09**
